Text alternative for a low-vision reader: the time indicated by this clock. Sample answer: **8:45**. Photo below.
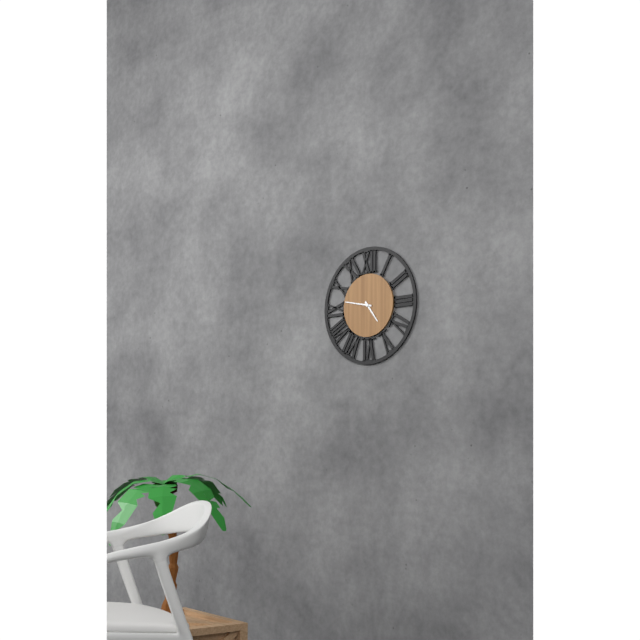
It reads **4:47**
